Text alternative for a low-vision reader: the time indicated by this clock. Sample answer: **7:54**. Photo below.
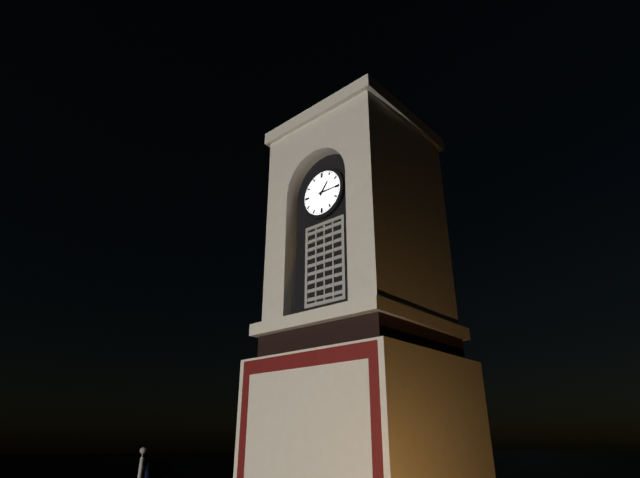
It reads **1:15**
